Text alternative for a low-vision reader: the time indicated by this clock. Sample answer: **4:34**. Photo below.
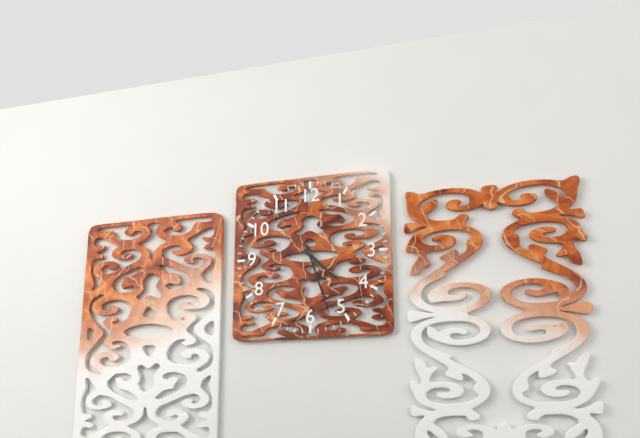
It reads **4:27**
